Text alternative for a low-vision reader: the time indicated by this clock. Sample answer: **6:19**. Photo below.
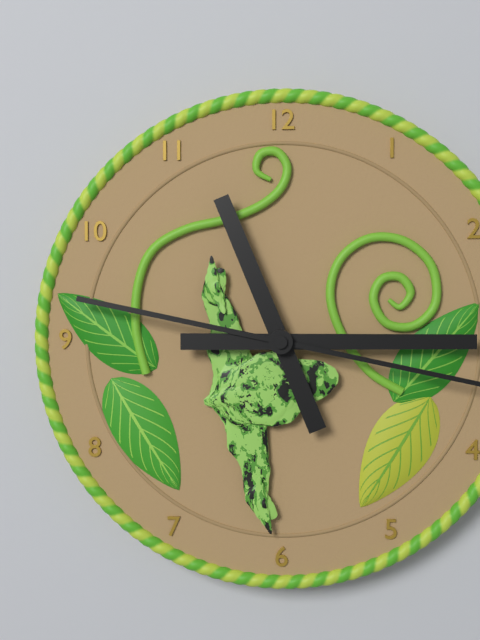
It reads **11:15**
